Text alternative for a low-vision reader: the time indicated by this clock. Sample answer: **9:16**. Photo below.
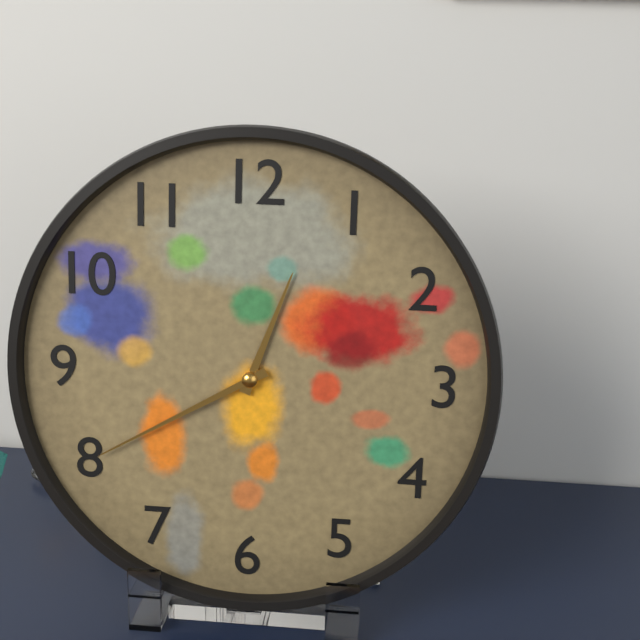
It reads **12:40**
